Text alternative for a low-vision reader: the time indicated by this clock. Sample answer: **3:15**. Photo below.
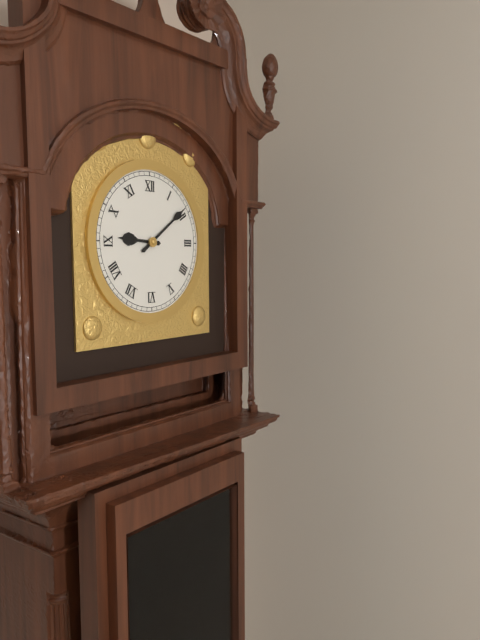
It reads **9:09**
